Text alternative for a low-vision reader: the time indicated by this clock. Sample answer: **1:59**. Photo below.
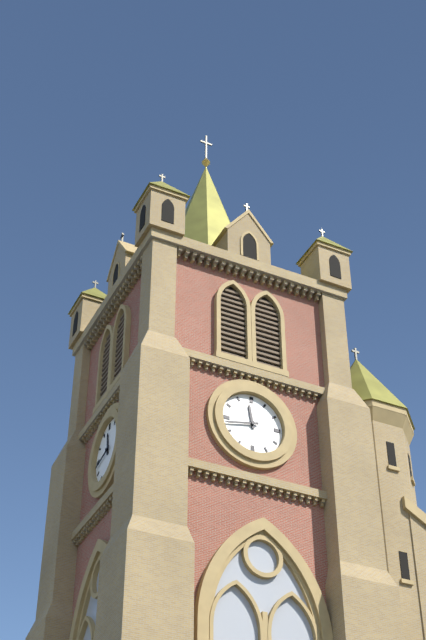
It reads **11:43**
